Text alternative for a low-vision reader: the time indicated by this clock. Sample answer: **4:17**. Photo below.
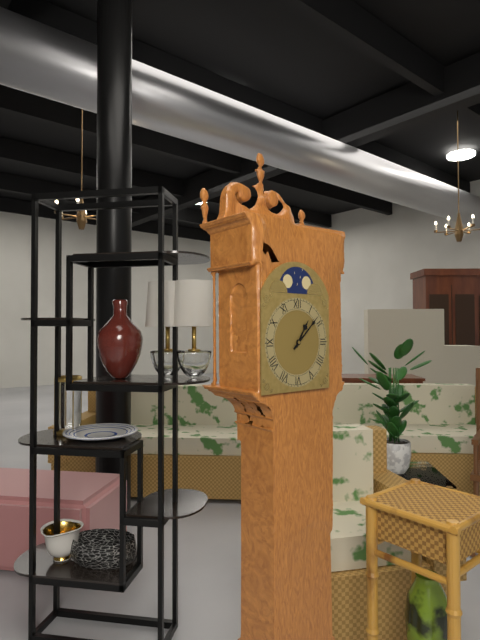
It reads **1:08**
